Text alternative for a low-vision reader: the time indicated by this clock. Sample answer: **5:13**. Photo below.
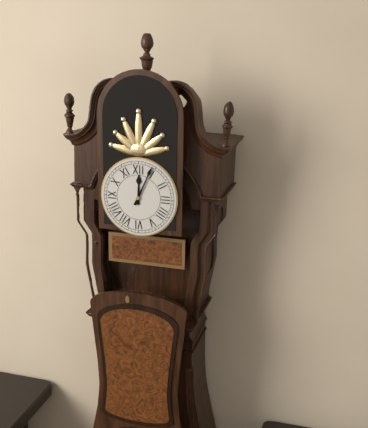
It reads **12:04**
